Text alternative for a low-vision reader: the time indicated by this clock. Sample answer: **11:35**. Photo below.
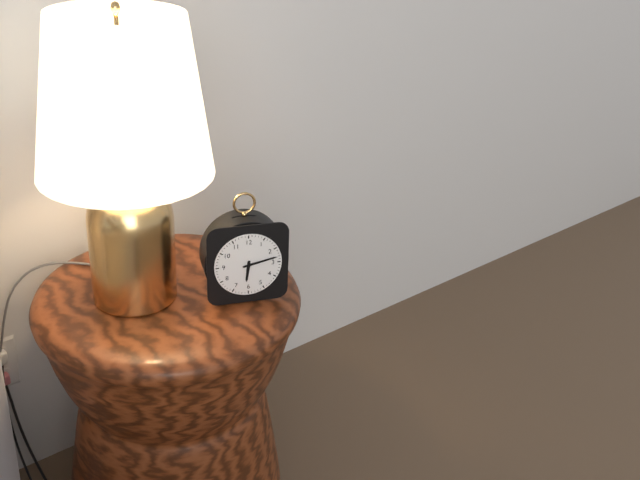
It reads **6:13**
